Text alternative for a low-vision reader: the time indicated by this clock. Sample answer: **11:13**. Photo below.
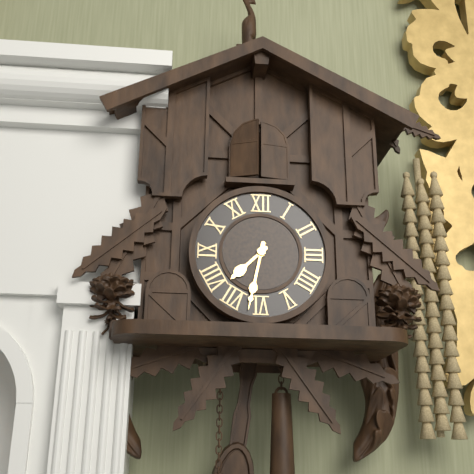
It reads **7:32**
